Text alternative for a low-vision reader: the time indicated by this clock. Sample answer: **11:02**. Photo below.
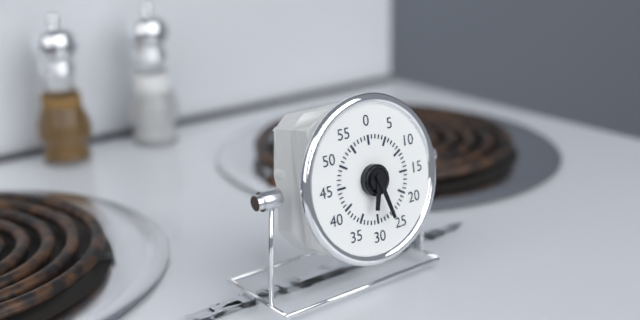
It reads **6:27**
